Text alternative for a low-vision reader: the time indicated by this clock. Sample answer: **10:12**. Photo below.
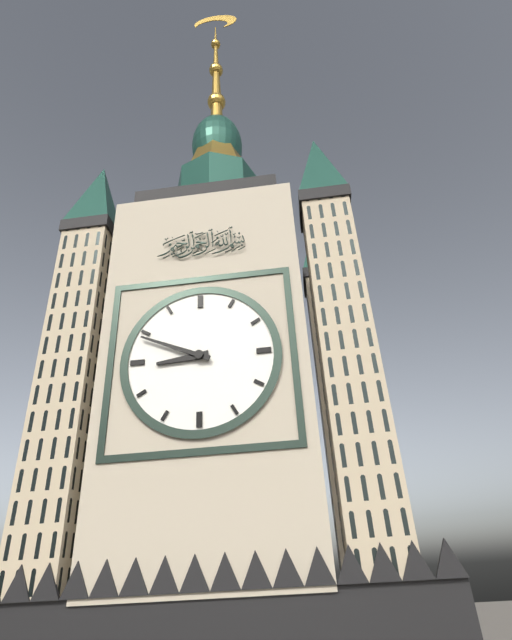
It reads **8:49**
